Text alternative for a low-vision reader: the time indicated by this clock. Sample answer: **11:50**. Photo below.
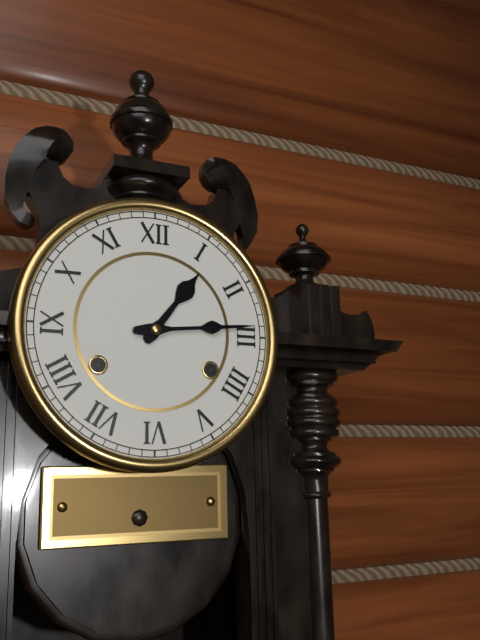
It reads **1:14**
